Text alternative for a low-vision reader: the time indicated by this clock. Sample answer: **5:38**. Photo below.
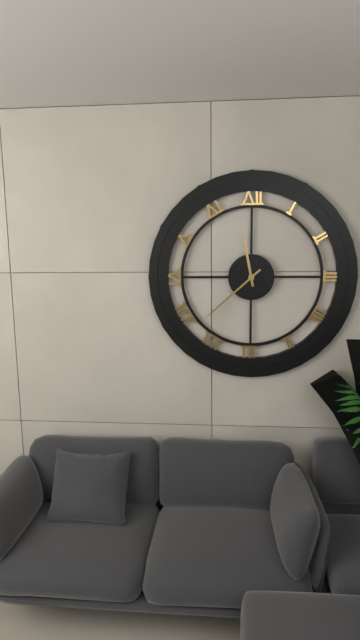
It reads **11:38**
